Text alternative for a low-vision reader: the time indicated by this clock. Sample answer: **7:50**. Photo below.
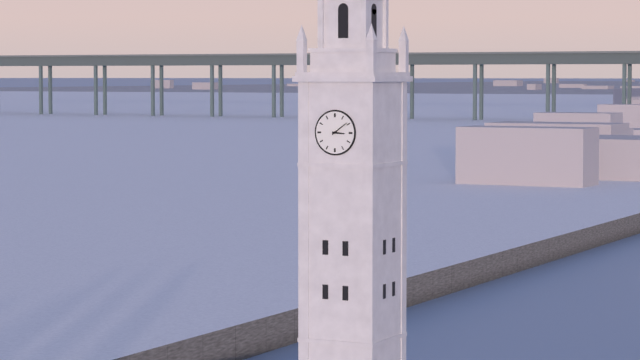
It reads **3:09**
